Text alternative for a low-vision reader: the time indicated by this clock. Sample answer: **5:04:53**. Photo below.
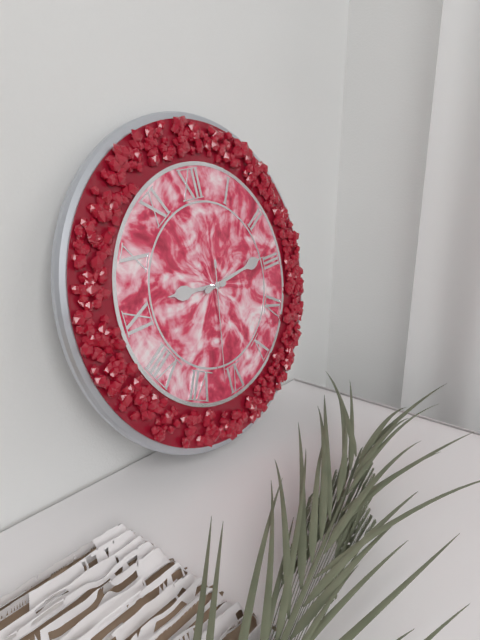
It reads **9:14:32**
